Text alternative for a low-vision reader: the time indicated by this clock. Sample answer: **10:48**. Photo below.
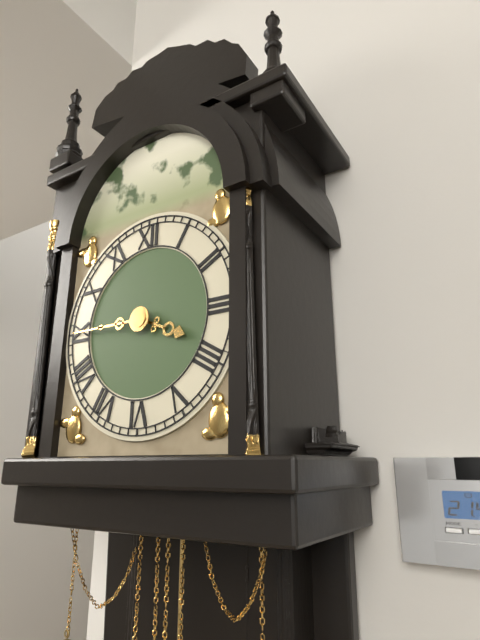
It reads **3:45**
